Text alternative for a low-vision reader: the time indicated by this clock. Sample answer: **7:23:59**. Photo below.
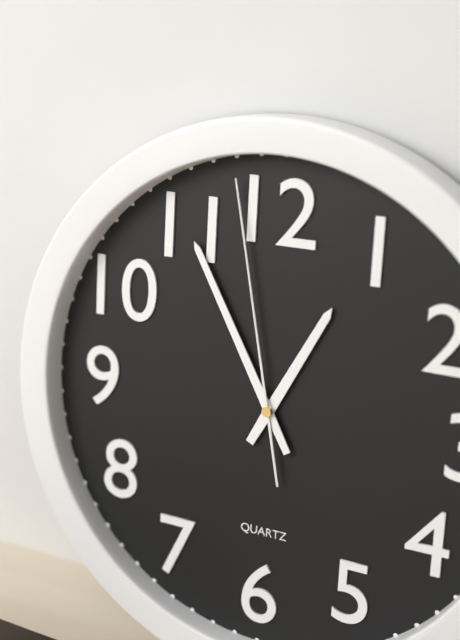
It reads **12:55:58**
